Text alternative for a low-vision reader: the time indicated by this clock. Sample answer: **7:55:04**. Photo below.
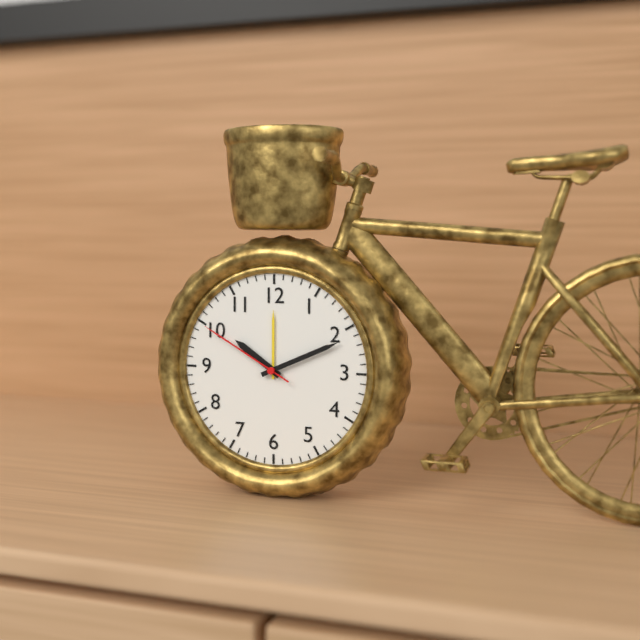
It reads **10:11:50**
